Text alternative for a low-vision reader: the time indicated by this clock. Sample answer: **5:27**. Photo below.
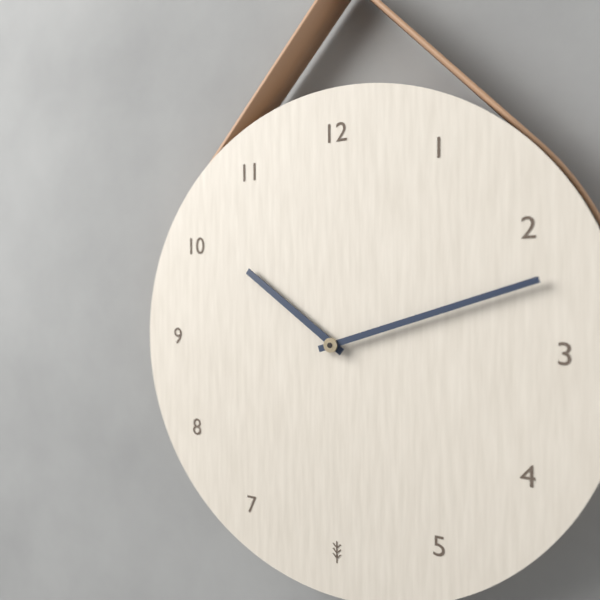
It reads **10:12**
